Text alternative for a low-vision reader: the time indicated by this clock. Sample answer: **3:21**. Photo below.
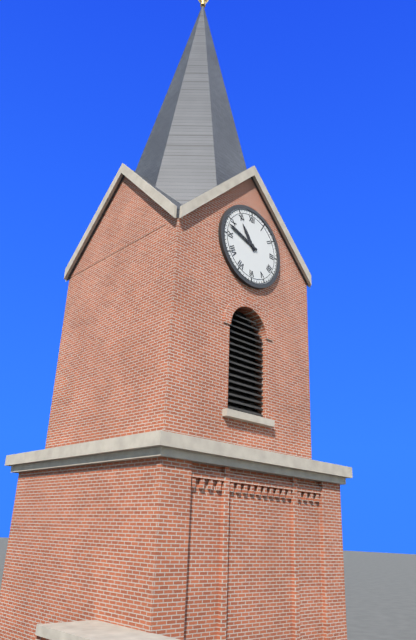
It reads **10:48**
